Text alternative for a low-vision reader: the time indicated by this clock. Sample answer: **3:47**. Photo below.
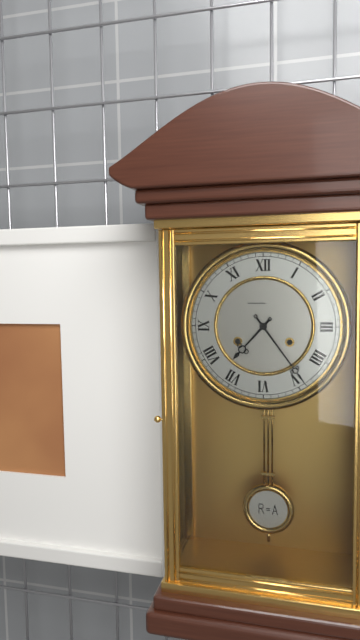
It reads **7:24**
